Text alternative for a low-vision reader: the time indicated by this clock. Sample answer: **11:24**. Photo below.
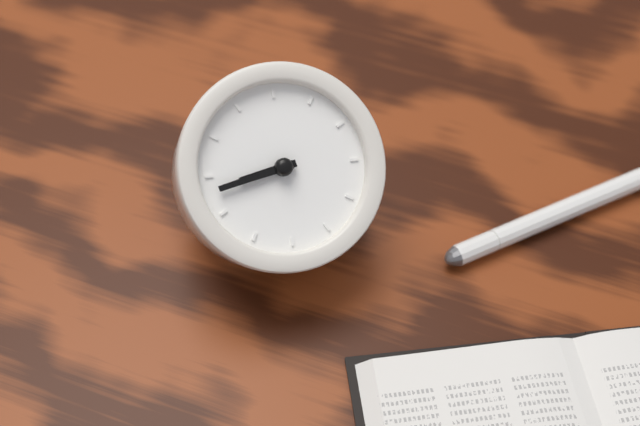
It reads **7:38**
